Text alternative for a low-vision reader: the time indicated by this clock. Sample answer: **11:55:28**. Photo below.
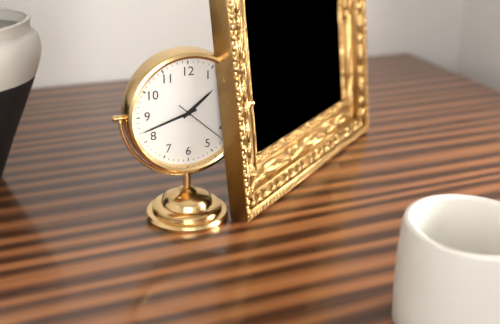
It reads **1:42:22**
